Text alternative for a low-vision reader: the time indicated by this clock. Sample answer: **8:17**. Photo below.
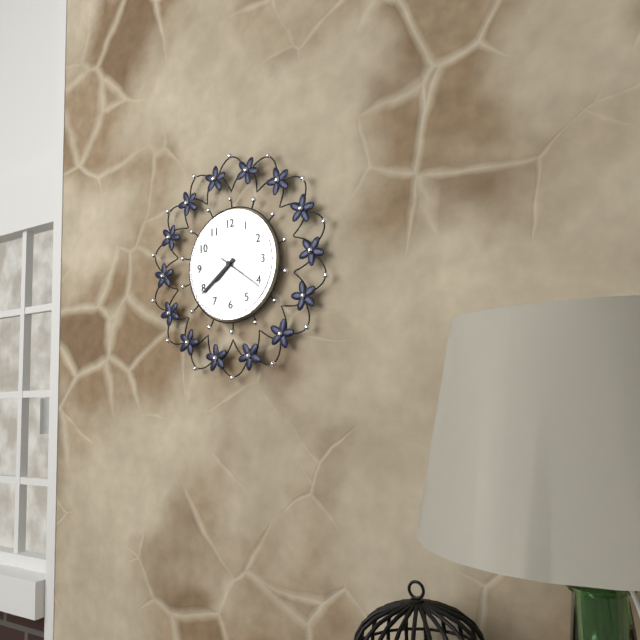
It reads **7:39**
